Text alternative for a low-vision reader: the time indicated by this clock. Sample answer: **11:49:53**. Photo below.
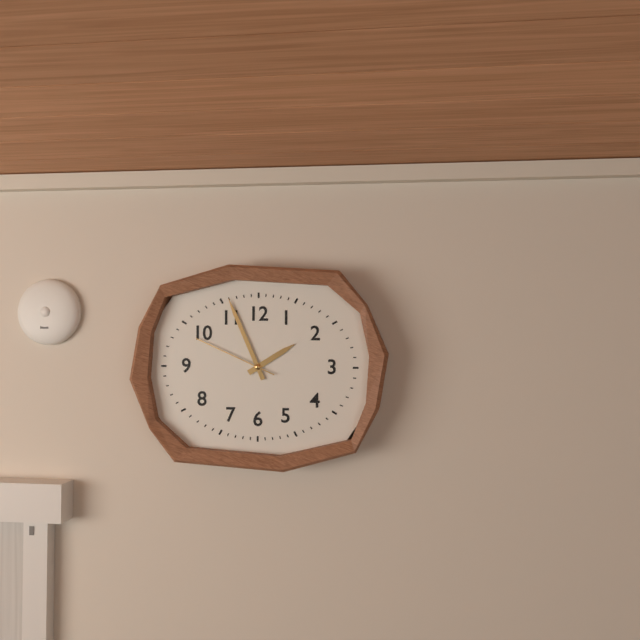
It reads **1:56:49**
